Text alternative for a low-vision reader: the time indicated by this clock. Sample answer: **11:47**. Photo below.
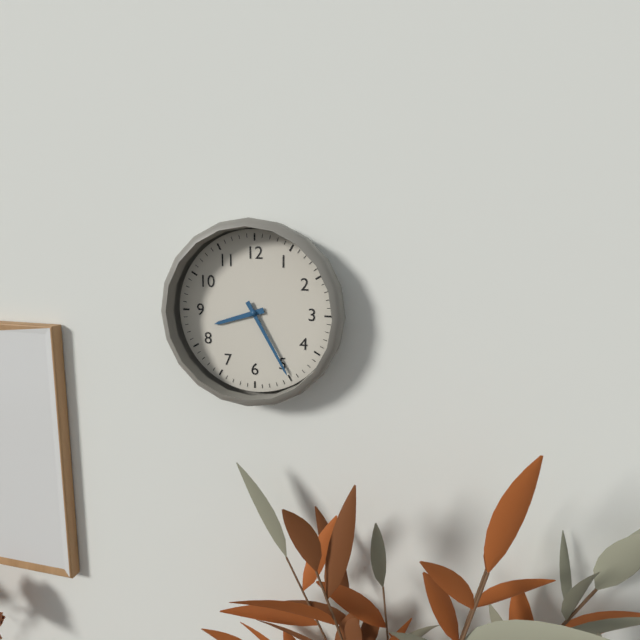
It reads **8:25**
